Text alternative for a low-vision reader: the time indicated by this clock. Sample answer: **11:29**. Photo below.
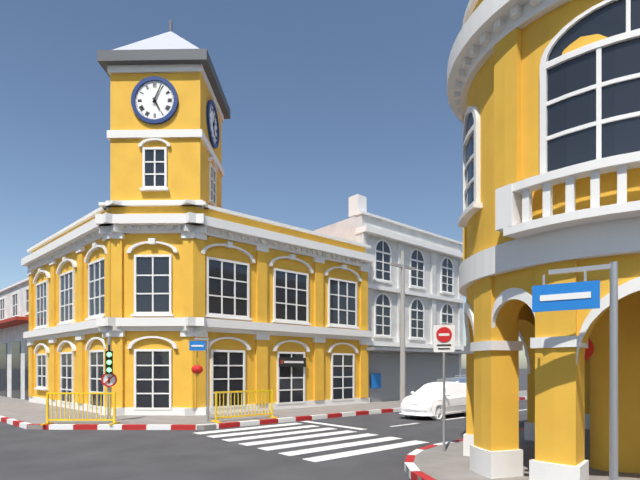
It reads **5:04**
